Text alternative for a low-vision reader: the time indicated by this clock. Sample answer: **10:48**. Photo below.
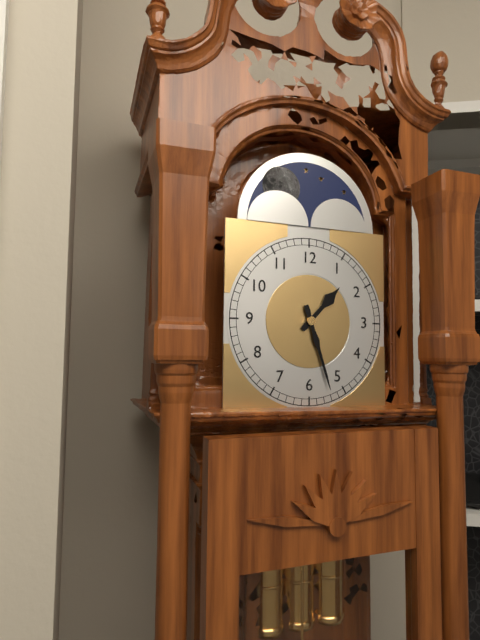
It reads **1:27**
